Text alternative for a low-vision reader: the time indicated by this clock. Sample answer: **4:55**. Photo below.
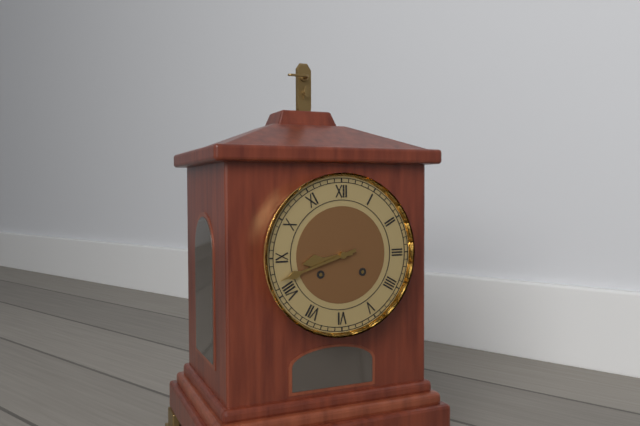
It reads **8:42**
